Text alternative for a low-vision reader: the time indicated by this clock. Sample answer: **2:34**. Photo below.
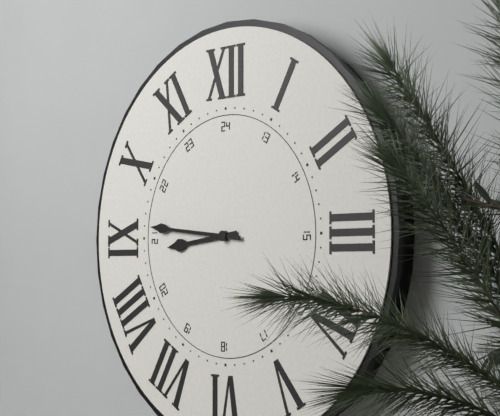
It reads **8:46**
